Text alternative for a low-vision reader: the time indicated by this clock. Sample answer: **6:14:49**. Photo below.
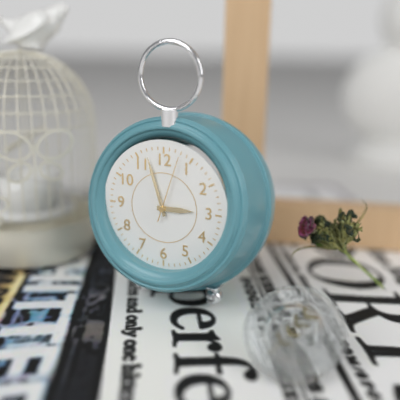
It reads **2:57:03**
